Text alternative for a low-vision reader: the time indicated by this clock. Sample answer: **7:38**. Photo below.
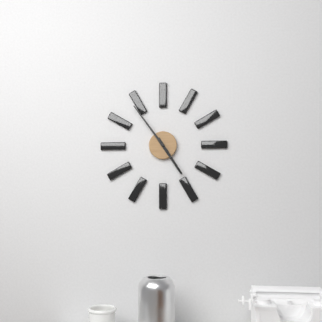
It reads **4:54**
